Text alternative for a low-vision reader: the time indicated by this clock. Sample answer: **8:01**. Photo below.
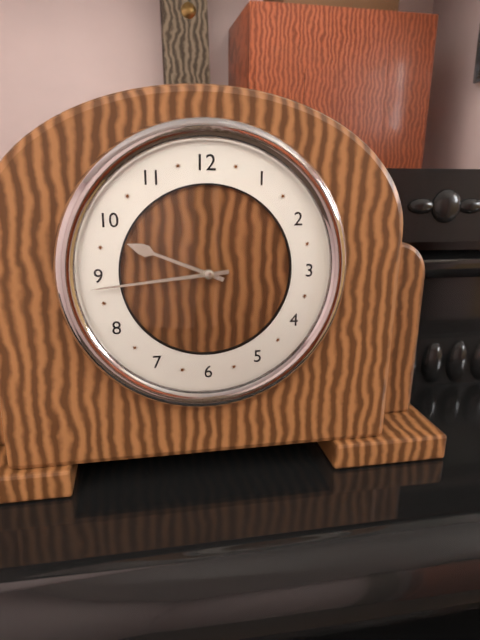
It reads **9:44**
